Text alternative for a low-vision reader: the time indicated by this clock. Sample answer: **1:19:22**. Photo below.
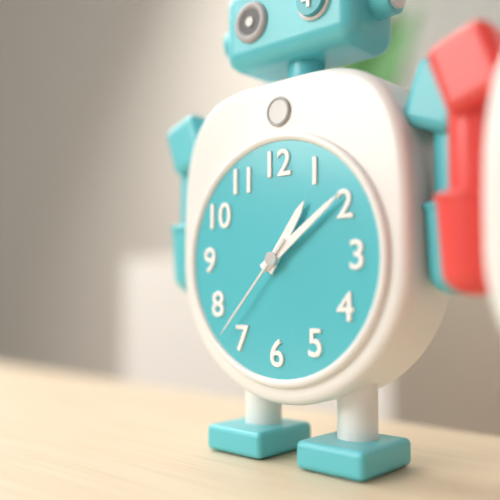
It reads **1:09:37**
